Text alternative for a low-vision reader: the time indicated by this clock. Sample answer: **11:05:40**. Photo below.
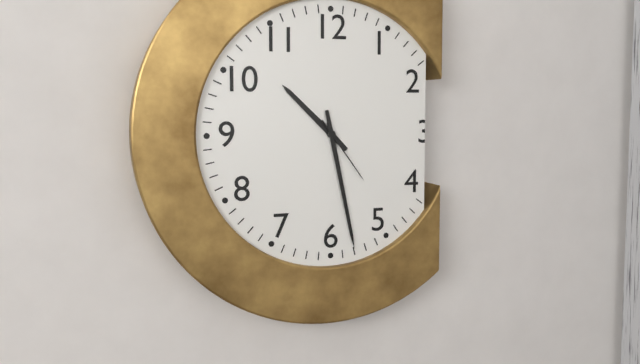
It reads **10:28:24**
